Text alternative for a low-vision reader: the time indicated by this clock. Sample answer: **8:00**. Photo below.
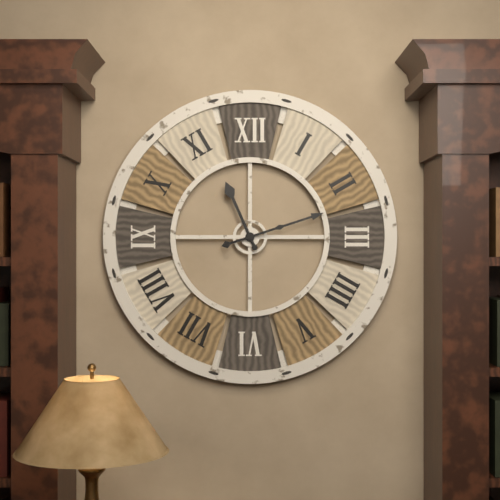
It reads **11:12**
